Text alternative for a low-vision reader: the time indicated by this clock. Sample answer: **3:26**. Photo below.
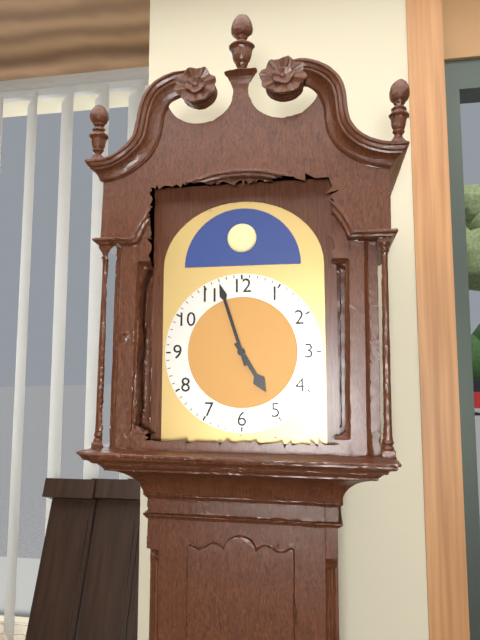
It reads **4:57**
